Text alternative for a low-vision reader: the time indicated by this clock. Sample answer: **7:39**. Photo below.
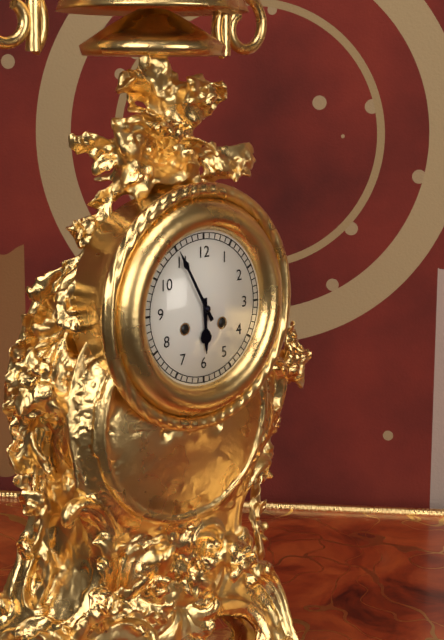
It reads **5:55**
